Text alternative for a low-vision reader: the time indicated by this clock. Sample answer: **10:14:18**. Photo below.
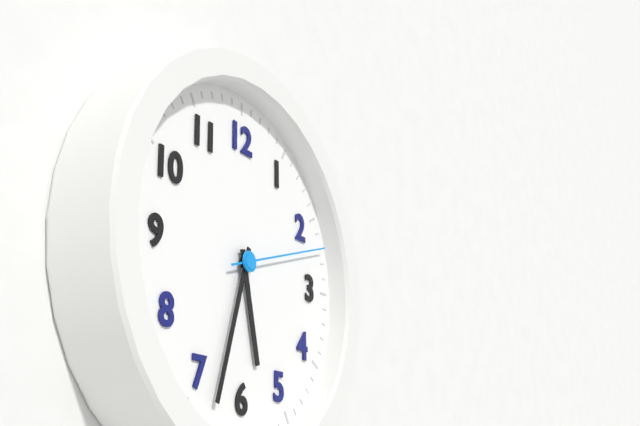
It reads **5:33:12**
